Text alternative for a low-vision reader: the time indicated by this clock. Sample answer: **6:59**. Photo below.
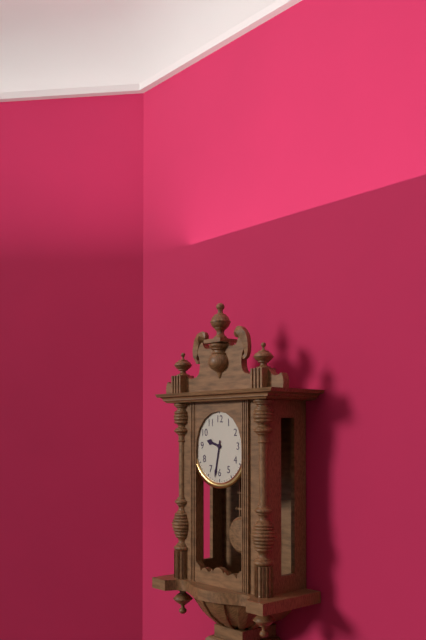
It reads **9:32**
